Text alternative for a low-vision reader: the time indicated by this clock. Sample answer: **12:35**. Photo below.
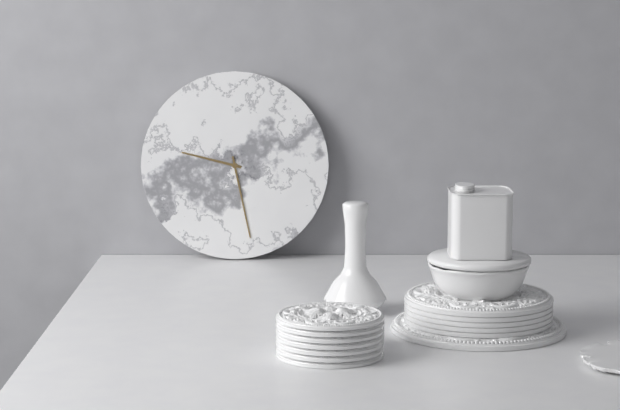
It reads **9:28**
